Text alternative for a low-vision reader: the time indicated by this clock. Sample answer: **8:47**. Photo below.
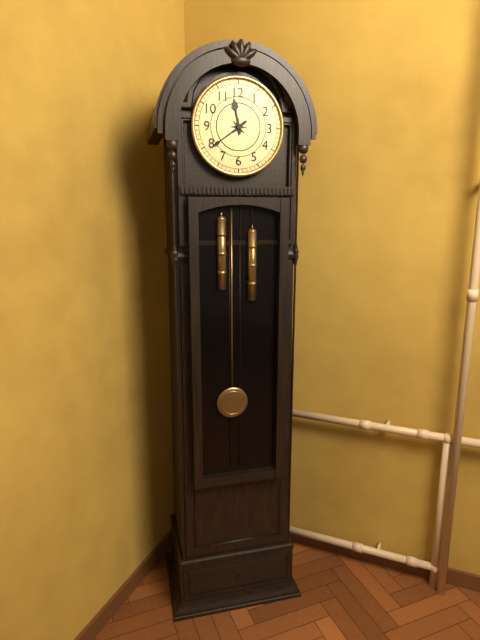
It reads **11:39**
